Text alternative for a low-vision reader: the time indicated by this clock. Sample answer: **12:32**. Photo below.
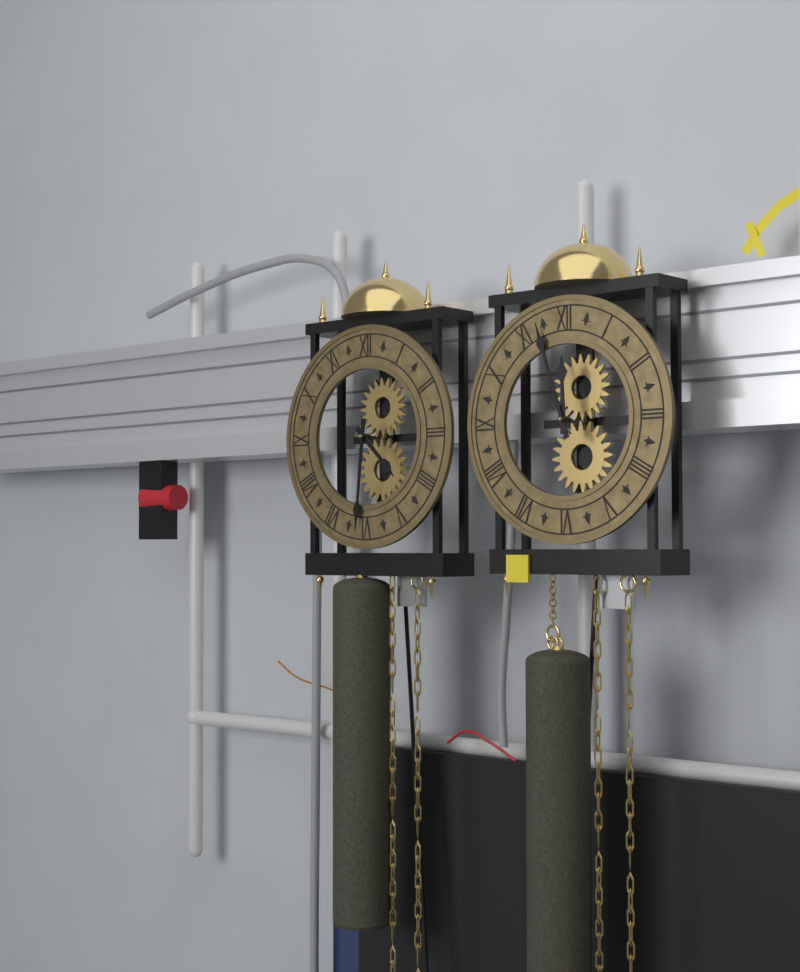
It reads **4:31**
